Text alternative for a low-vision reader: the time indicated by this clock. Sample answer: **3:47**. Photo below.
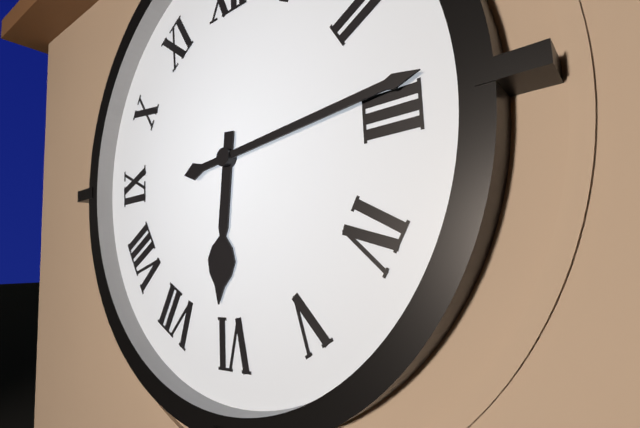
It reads **6:14**
